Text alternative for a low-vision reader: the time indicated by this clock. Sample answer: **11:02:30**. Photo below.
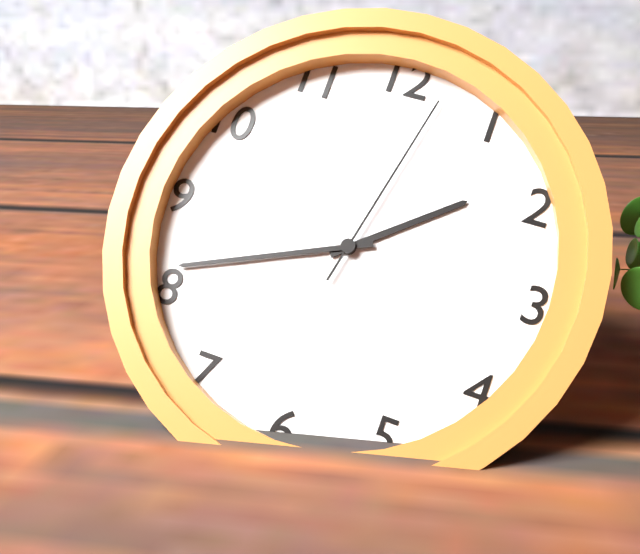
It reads **1:41:02**
